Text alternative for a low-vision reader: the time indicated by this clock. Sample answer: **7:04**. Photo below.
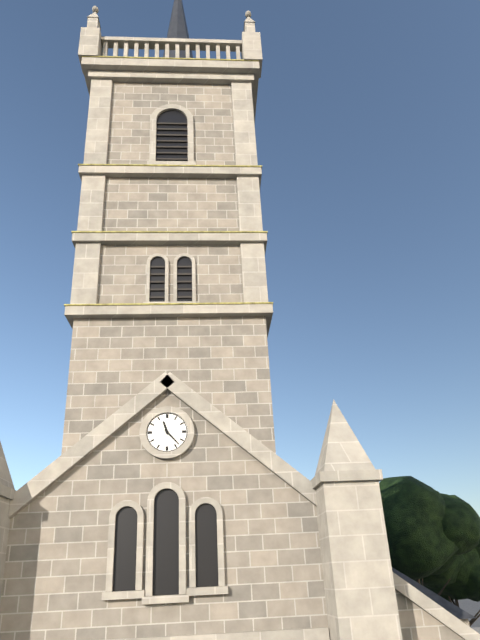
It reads **11:23**
